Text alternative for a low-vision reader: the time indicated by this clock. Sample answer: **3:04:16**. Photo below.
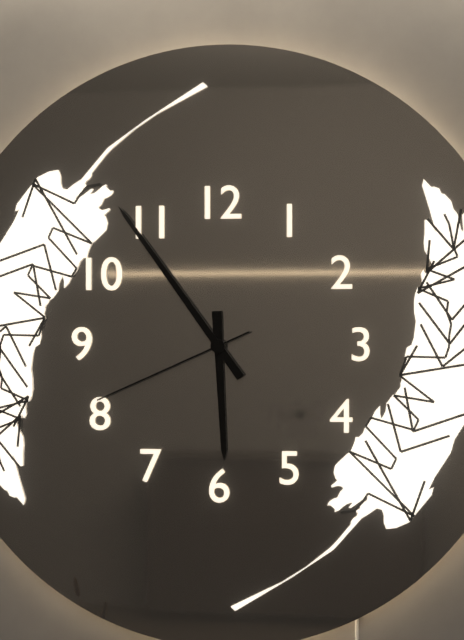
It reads **5:54:41**
